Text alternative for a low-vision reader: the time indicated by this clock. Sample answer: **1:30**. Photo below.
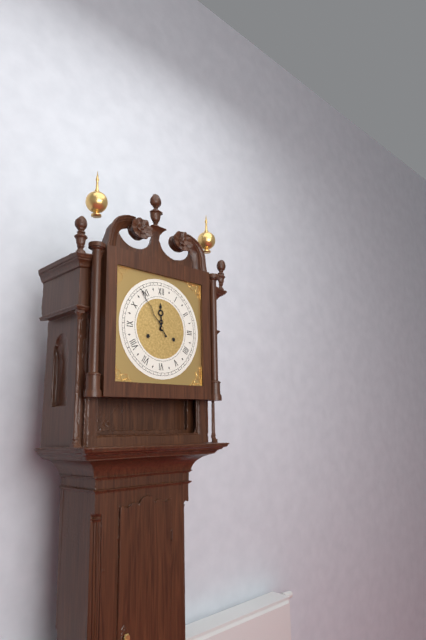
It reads **11:54**
